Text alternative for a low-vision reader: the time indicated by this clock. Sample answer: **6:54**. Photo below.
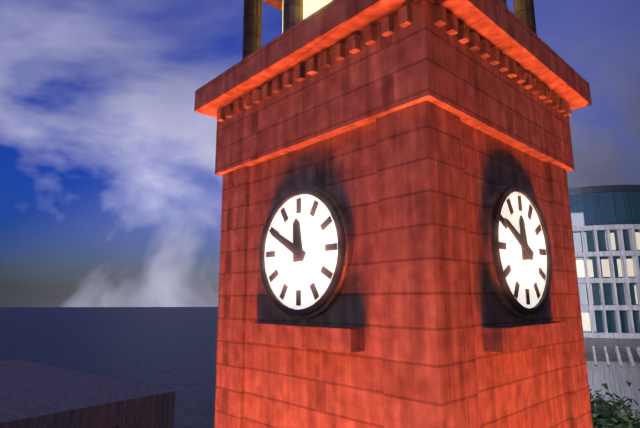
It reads **11:50**
